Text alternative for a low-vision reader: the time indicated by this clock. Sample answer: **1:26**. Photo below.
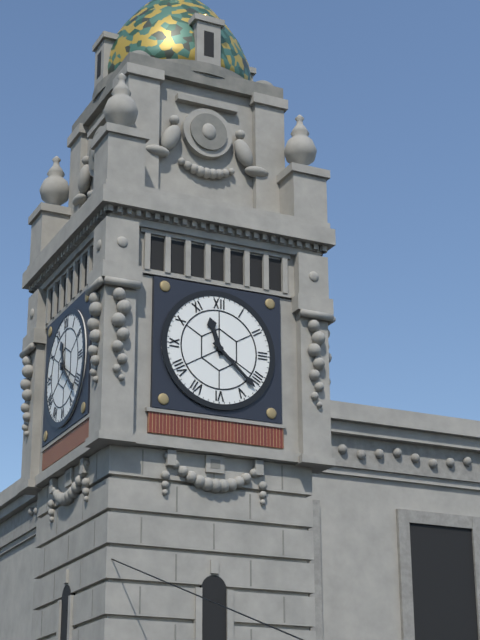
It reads **11:22**
